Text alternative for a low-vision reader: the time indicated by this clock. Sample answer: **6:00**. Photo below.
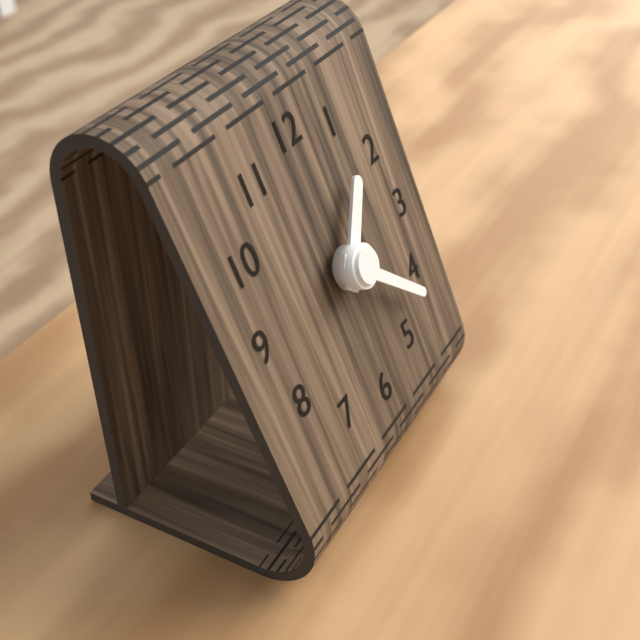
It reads **1:22**
